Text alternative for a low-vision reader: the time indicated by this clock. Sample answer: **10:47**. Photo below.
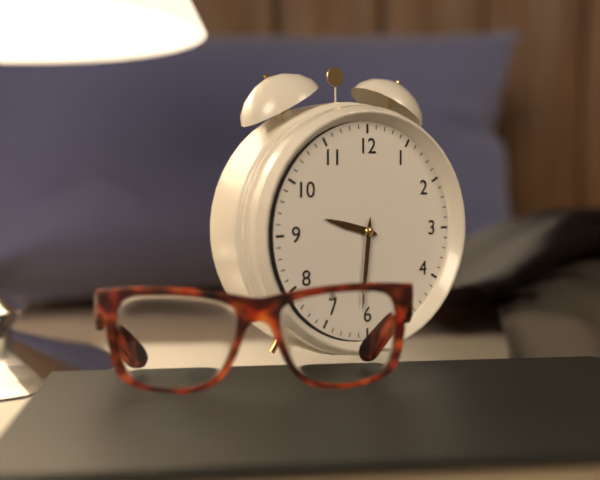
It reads **9:31**
